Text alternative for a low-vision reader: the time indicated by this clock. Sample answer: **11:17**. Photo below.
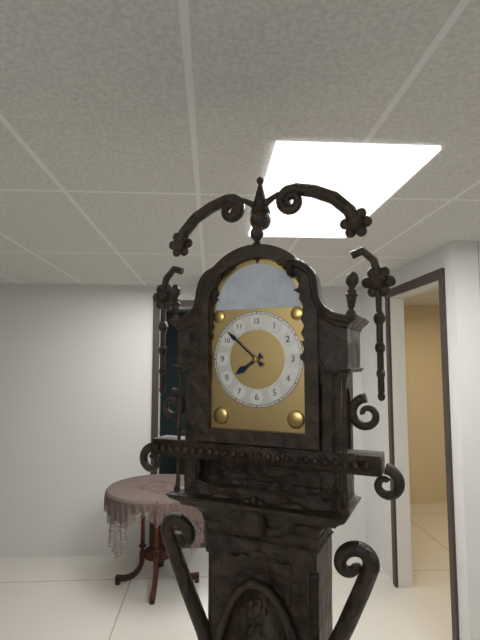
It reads **7:52**
